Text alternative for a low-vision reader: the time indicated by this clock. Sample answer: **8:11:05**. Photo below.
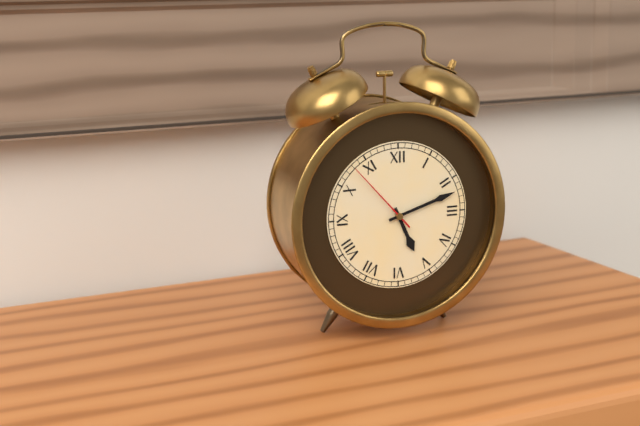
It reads **5:12:53**
